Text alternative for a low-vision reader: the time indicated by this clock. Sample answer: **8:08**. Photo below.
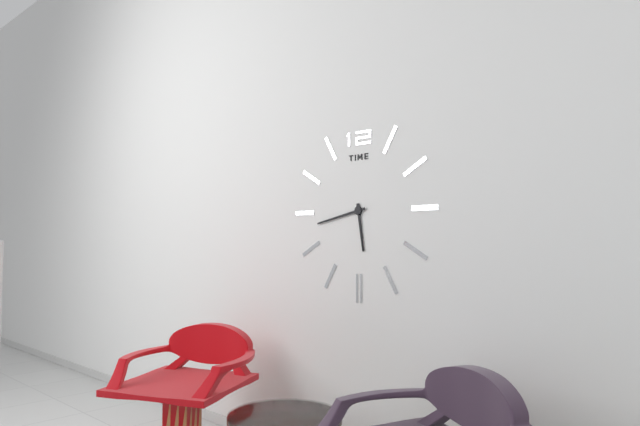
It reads **5:43**
